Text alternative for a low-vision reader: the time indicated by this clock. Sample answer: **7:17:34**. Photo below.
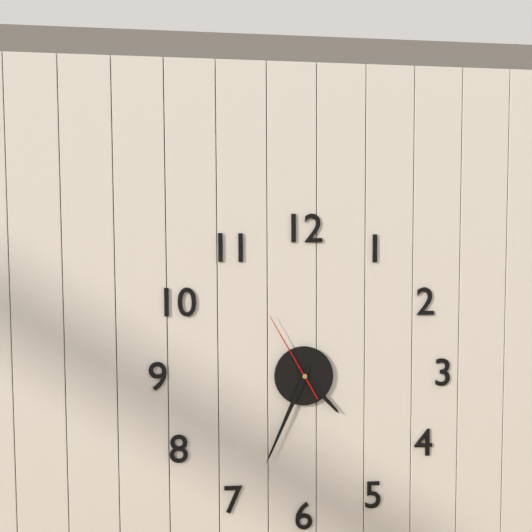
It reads **4:34:55**
